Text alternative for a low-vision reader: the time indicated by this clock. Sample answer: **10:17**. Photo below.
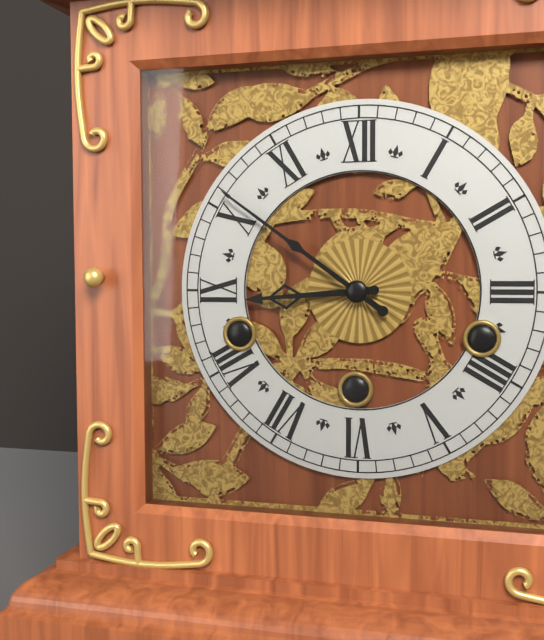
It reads **8:51**
